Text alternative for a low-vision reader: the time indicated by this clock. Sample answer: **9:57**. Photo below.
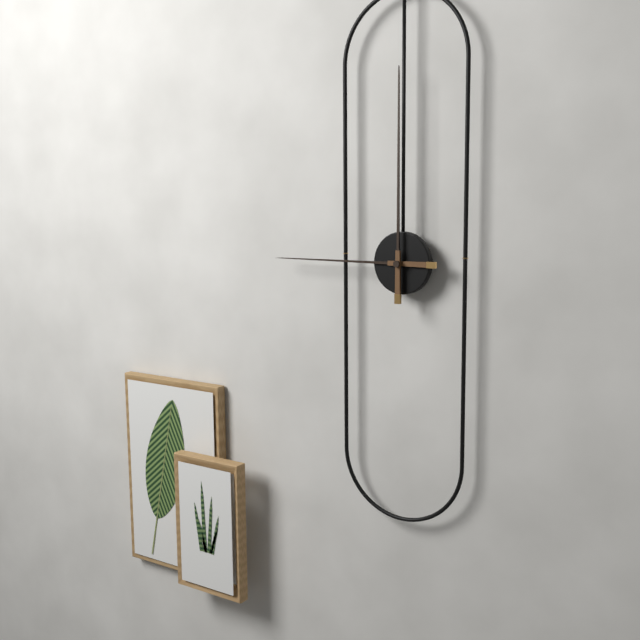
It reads **9:00**
